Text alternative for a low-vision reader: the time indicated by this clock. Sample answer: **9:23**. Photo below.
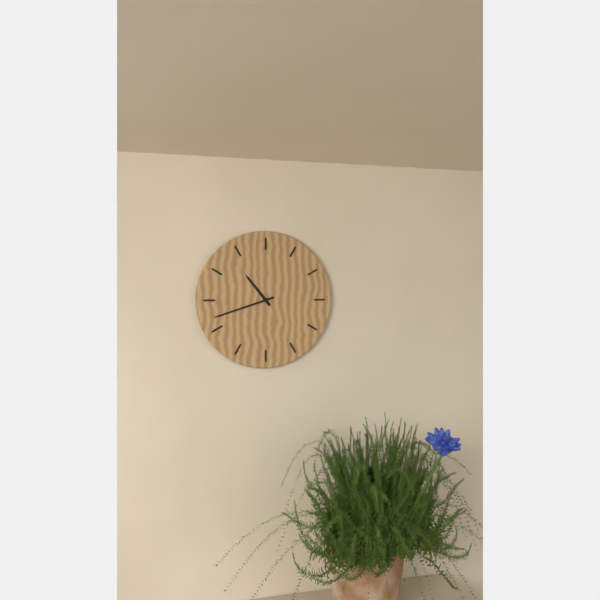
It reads **10:42**
